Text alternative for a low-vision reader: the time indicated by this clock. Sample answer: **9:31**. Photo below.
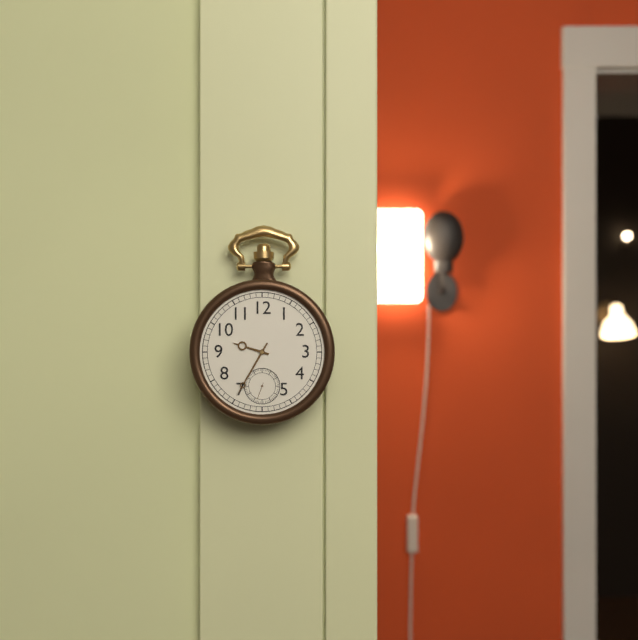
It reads **9:35**
